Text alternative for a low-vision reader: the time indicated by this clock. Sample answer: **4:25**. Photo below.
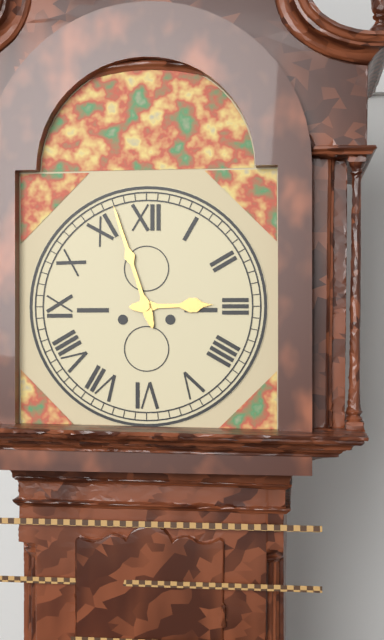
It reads **2:57**
